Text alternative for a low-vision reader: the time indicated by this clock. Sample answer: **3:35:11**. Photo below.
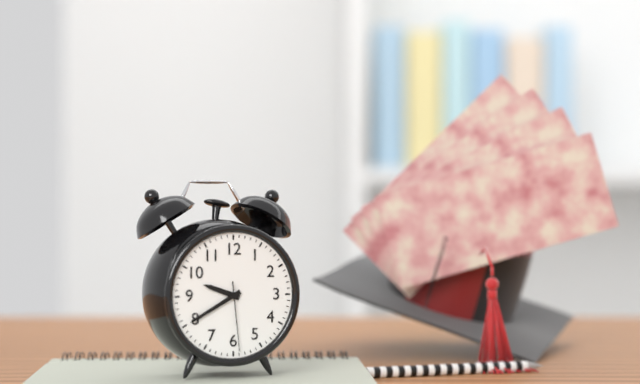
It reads **9:40:29**
